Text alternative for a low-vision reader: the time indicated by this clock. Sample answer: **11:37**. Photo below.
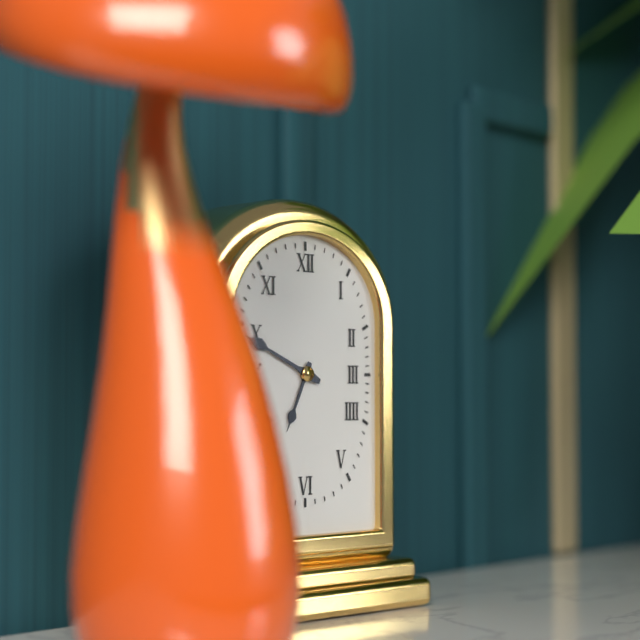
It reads **6:49**
